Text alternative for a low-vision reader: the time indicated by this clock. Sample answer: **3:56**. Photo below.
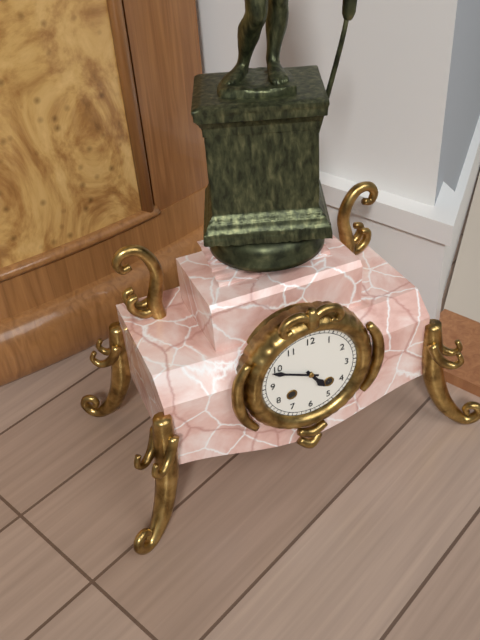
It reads **4:49**
